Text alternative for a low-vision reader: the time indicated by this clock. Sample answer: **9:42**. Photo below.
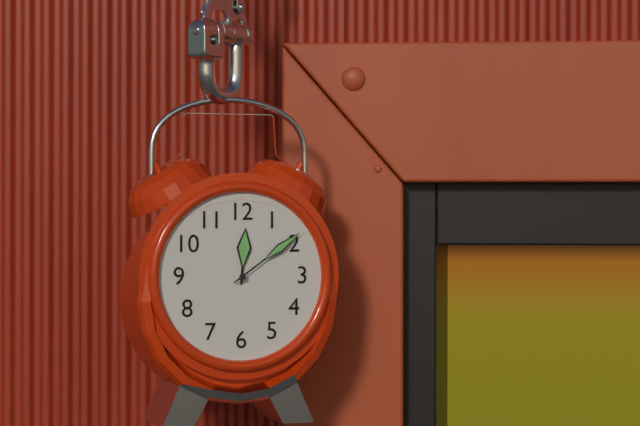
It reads **12:09**
